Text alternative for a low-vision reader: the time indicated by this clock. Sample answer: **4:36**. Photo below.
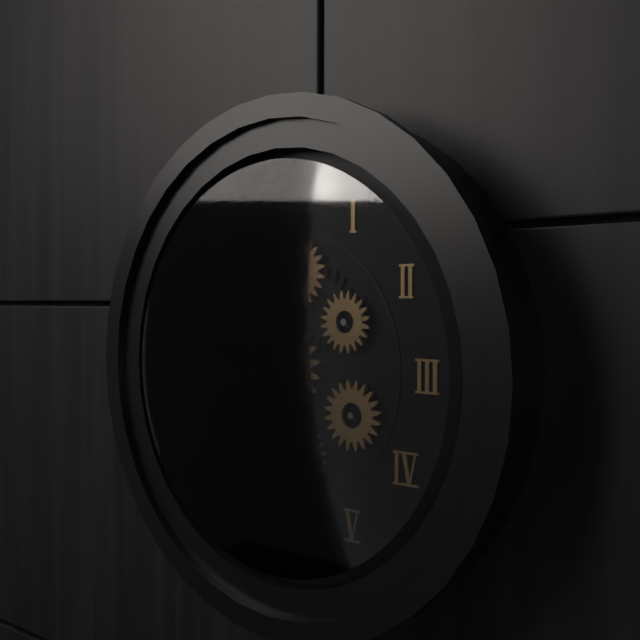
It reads **7:28**
